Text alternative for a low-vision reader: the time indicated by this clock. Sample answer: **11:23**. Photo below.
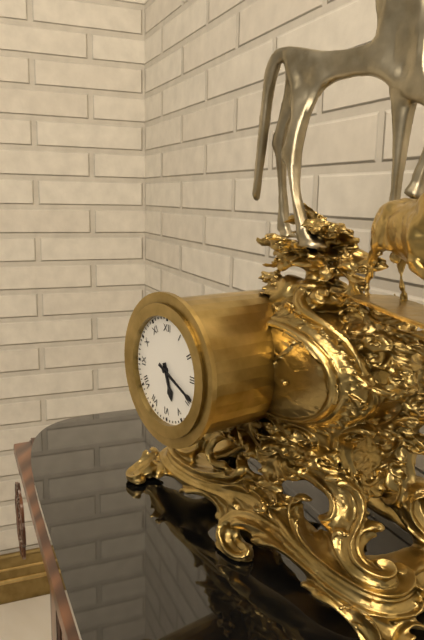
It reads **5:19**
